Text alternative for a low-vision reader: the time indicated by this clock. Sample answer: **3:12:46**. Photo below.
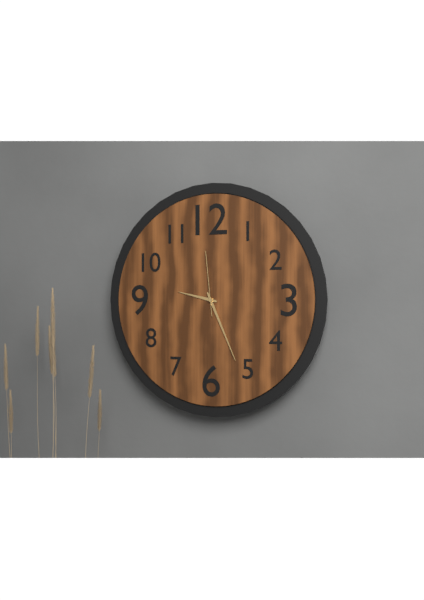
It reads **9:26:59**
